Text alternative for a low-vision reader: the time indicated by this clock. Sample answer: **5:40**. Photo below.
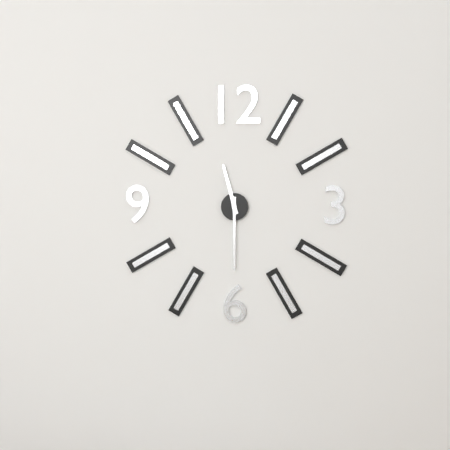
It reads **11:30**
